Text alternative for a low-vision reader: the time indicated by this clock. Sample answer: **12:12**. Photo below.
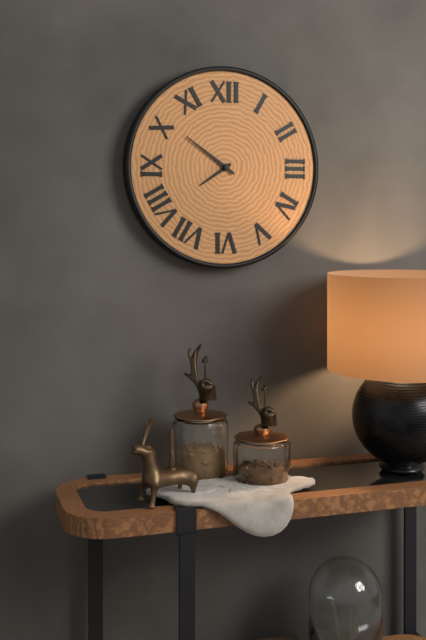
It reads **7:51**
